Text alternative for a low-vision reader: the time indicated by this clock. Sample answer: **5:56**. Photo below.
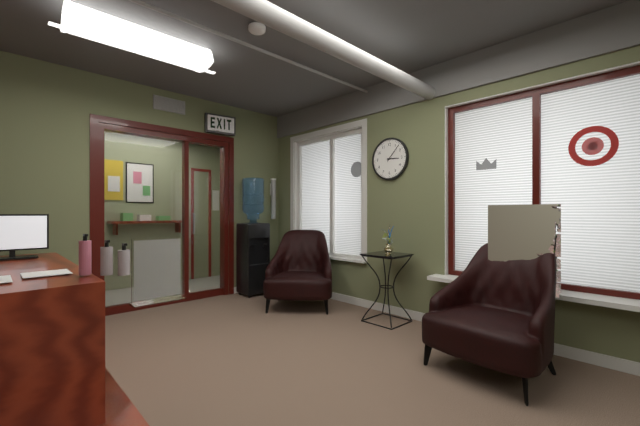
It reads **3:07**
